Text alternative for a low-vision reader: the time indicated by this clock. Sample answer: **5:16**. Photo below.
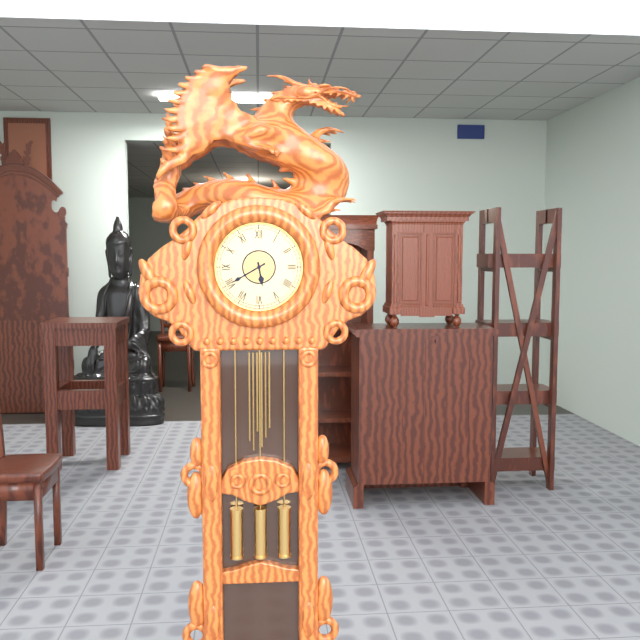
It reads **5:40**
